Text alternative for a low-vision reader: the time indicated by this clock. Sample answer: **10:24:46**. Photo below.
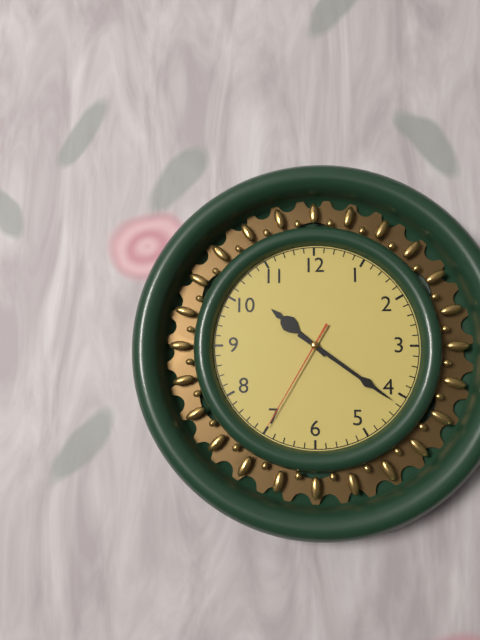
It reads **10:21:35**
